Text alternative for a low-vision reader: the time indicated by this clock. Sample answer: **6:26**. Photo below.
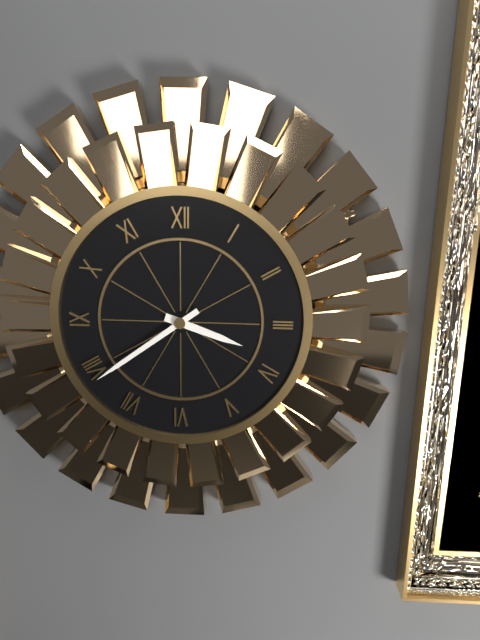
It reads **3:39**
